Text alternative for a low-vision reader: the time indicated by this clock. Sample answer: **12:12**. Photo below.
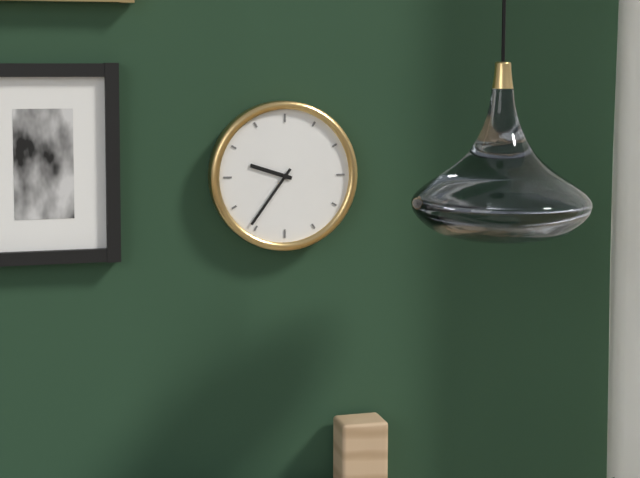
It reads **9:36**
